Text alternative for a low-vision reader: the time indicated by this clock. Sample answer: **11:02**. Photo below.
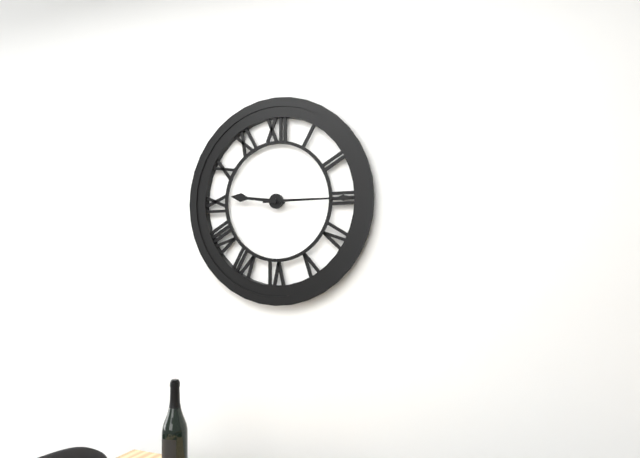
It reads **9:15**
